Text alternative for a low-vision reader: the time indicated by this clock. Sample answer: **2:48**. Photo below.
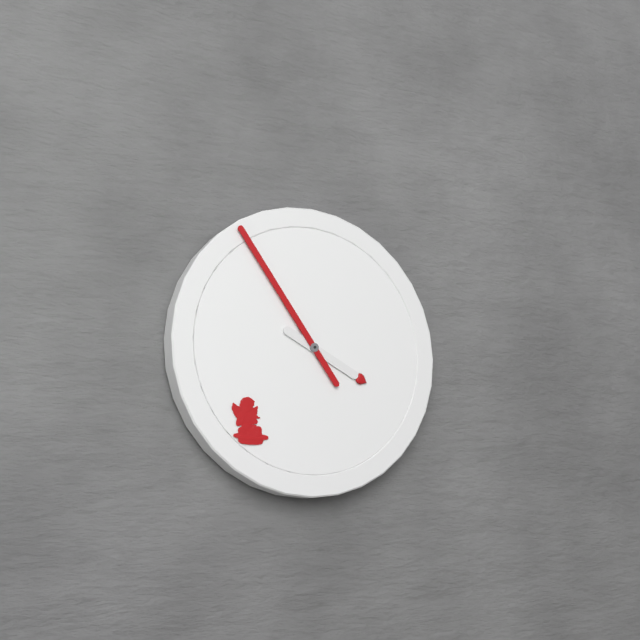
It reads **3:54**
